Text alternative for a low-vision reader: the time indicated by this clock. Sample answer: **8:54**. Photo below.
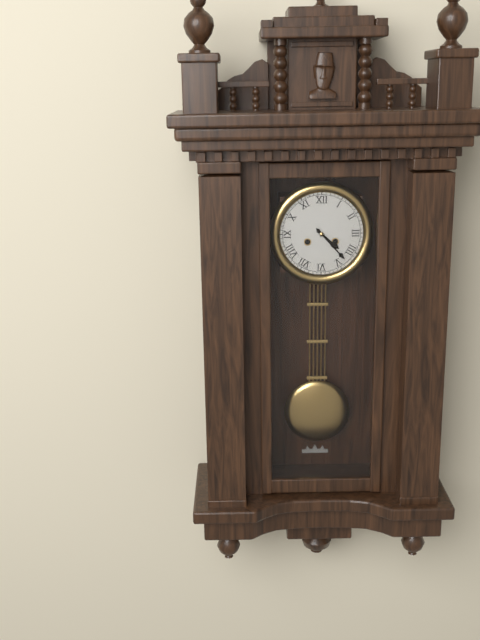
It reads **4:23**
